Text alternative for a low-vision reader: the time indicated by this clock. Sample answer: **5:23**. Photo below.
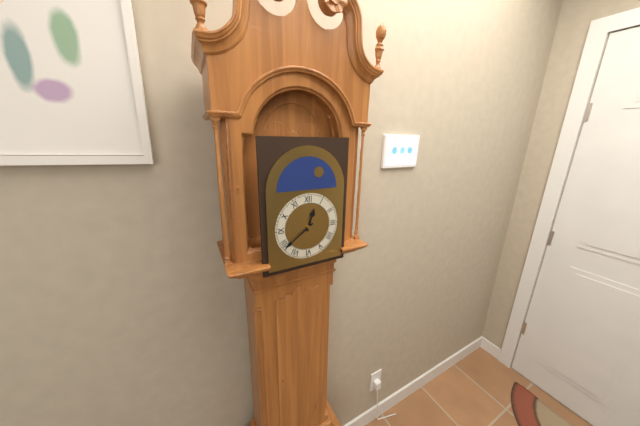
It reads **12:39**
